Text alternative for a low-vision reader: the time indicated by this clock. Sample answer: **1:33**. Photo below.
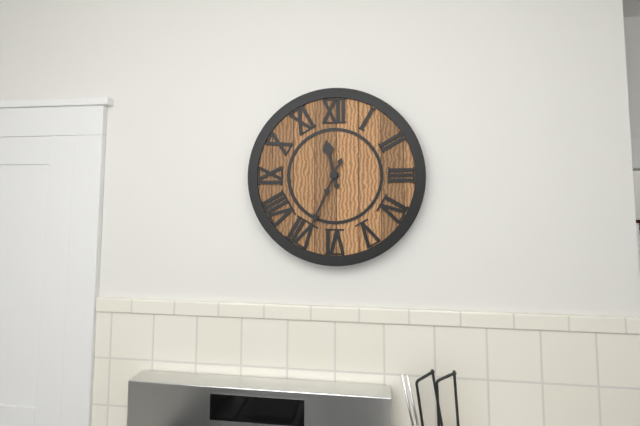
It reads **11:34**
